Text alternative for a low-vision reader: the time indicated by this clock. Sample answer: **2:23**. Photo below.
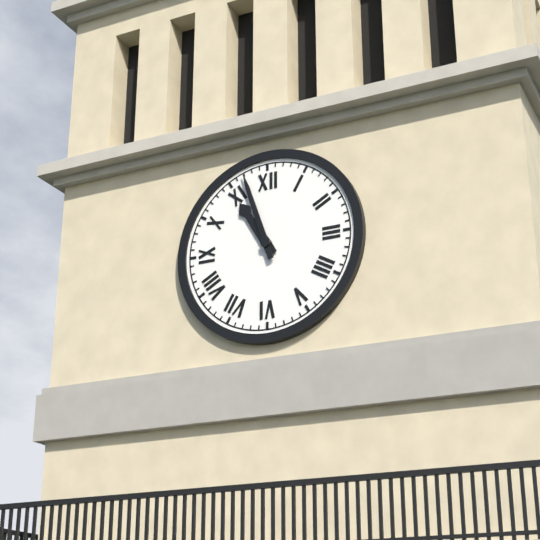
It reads **10:57**
